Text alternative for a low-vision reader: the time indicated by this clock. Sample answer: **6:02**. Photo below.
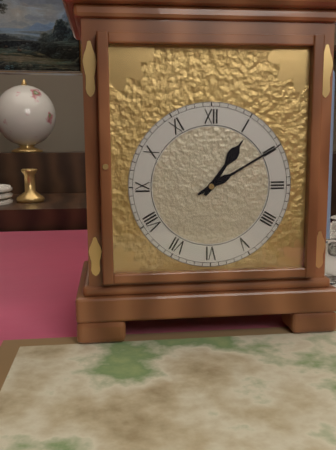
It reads **1:10**
